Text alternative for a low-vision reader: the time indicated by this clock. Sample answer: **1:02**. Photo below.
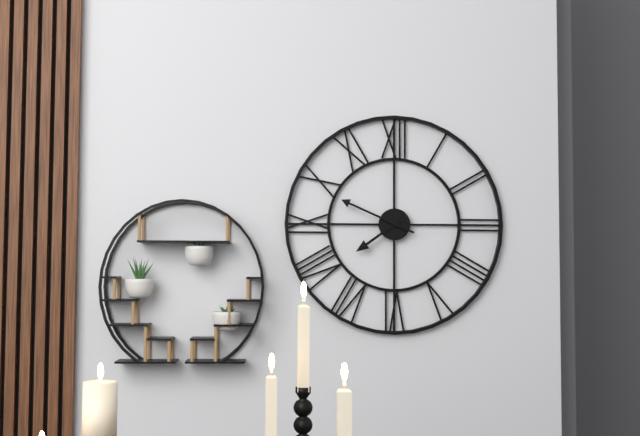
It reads **7:49**
